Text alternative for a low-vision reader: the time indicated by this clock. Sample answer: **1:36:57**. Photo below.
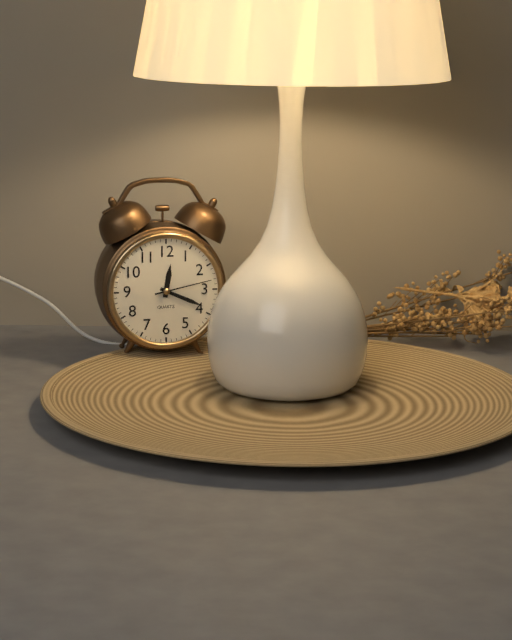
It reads **12:19:13**
